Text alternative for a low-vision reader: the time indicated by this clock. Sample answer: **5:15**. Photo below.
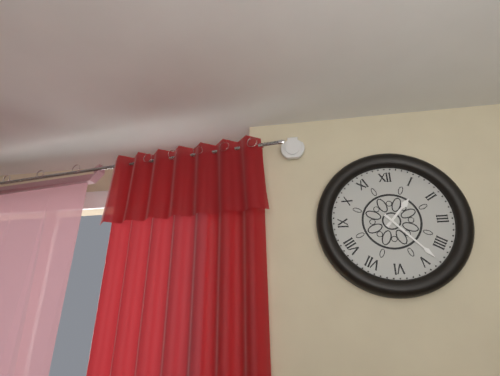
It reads **1:23**
